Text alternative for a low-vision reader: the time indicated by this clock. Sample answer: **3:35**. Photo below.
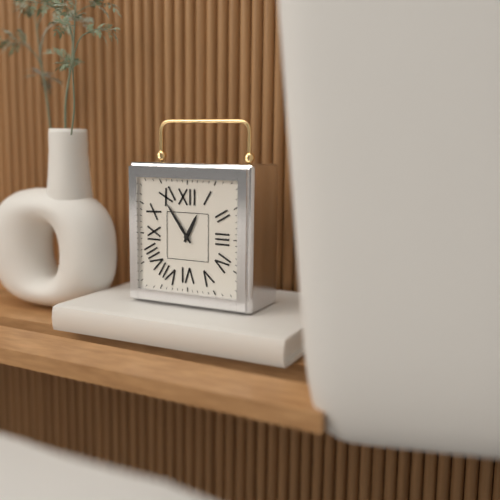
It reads **12:54**
